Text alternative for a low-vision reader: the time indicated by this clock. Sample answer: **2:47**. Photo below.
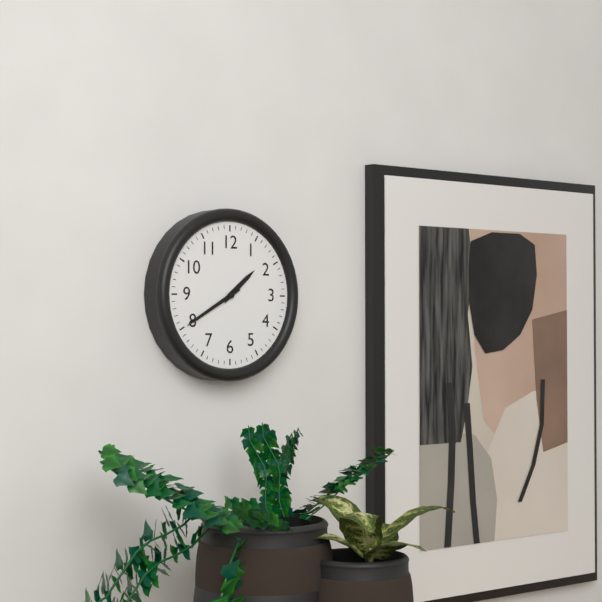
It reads **1:40**
